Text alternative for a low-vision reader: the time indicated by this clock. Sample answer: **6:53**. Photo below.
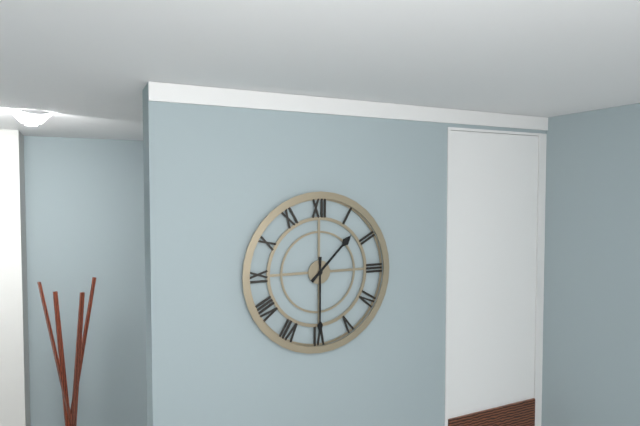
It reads **1:30**
